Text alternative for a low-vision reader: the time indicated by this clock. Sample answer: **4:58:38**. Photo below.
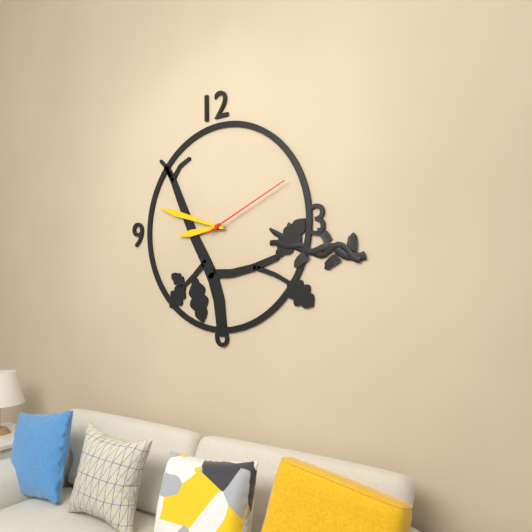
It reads **8:48:11**
